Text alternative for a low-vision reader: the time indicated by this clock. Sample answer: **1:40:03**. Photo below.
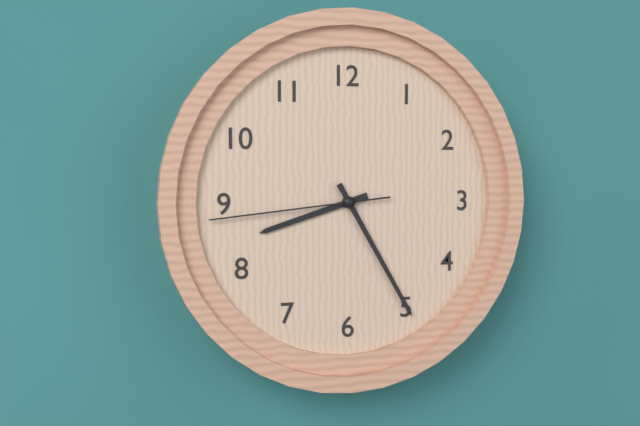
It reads **8:25:44**
